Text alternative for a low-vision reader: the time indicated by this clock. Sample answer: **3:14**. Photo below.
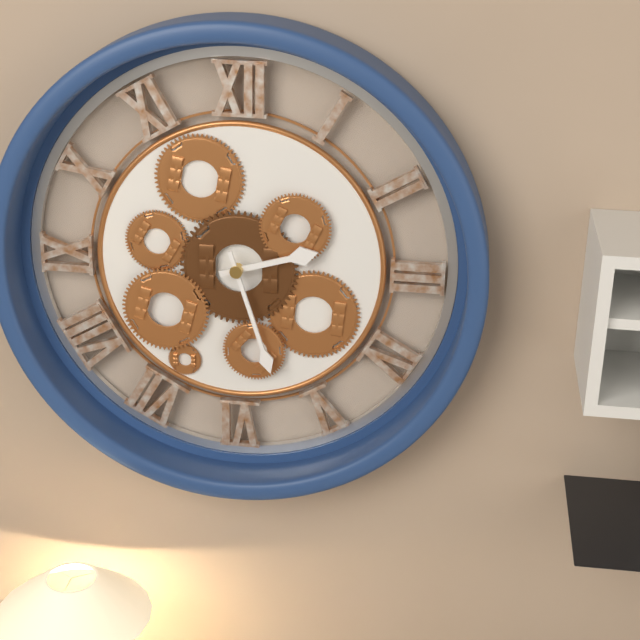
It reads **2:27**
